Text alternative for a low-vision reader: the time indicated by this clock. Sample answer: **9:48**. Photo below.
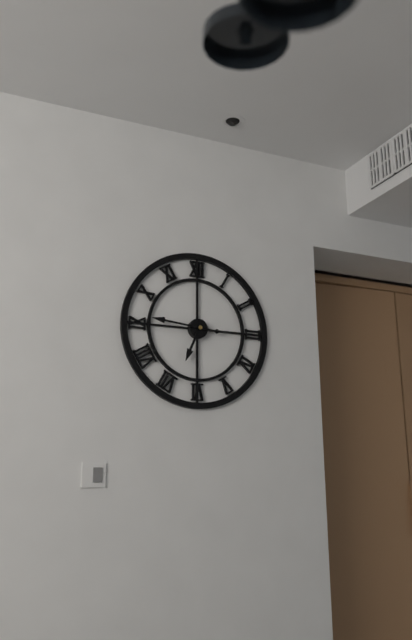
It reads **6:46**
